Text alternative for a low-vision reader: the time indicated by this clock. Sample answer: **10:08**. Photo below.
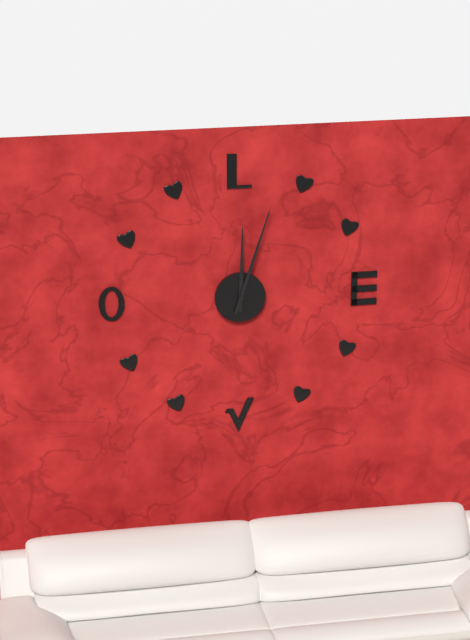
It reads **12:03**
